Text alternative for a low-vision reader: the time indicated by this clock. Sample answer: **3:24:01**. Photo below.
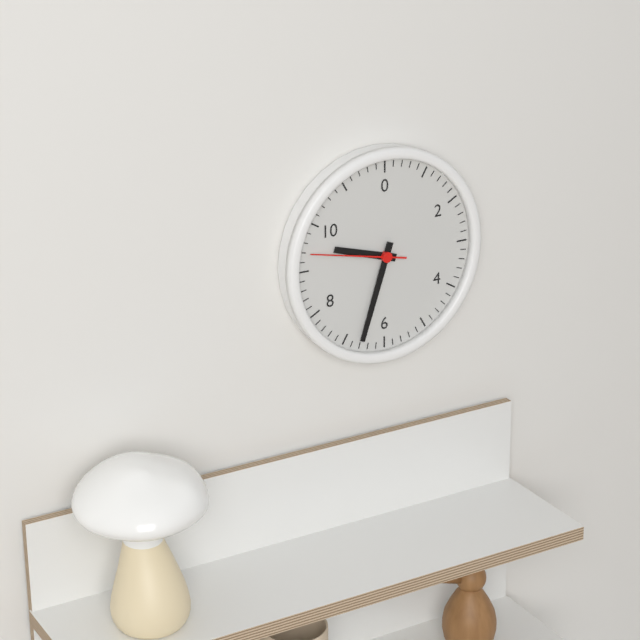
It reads **9:33:47**
